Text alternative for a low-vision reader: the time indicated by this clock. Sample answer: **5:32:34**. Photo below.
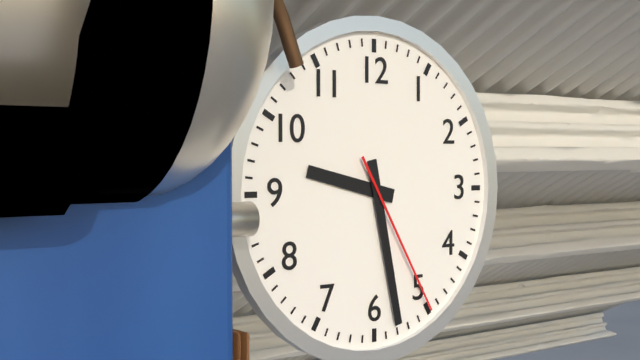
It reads **9:28:25**
